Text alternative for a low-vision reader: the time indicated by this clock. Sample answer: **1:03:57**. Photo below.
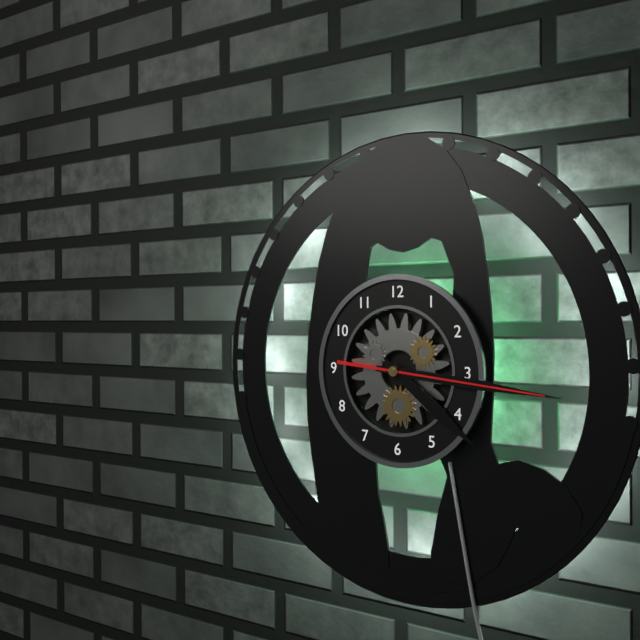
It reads **4:16:16**
